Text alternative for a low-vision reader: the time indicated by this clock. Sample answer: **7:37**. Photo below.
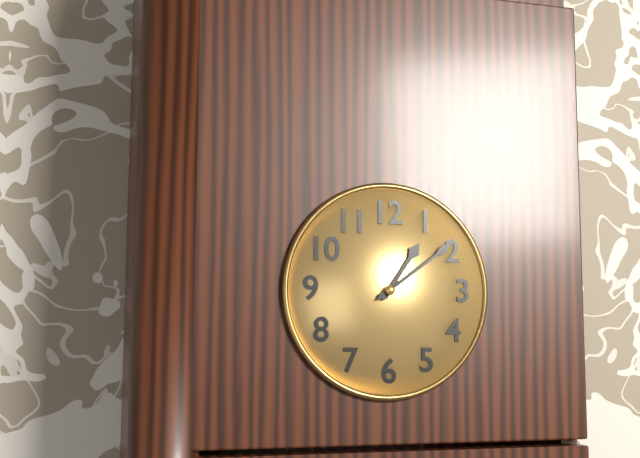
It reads **1:09**
